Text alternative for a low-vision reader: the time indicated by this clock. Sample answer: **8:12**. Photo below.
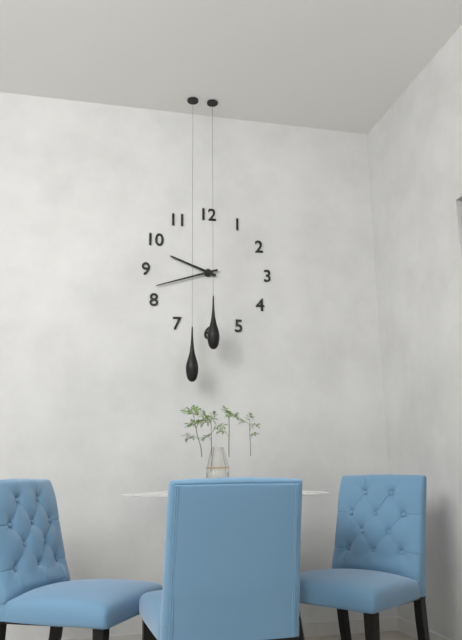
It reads **9:42**
